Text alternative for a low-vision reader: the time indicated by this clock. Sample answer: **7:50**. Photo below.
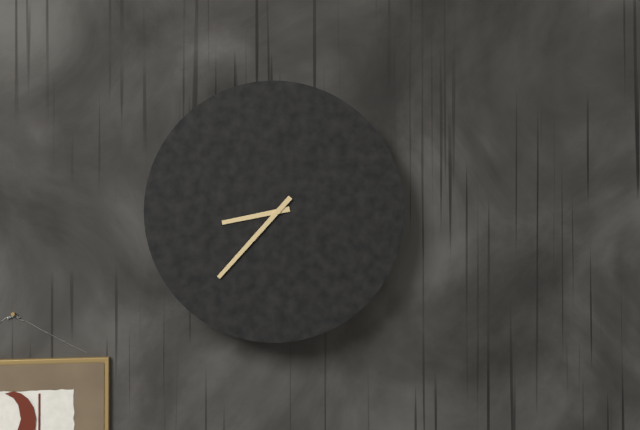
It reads **8:37**
